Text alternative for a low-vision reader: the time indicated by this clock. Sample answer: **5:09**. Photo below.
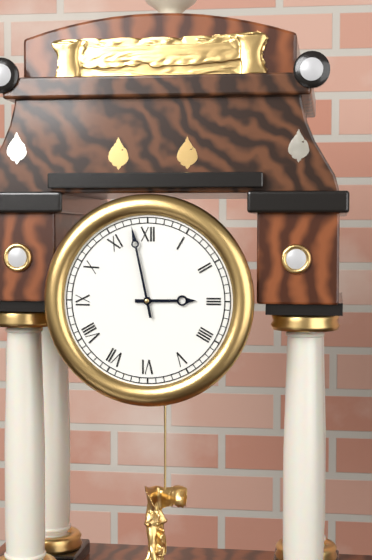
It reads **2:58**
